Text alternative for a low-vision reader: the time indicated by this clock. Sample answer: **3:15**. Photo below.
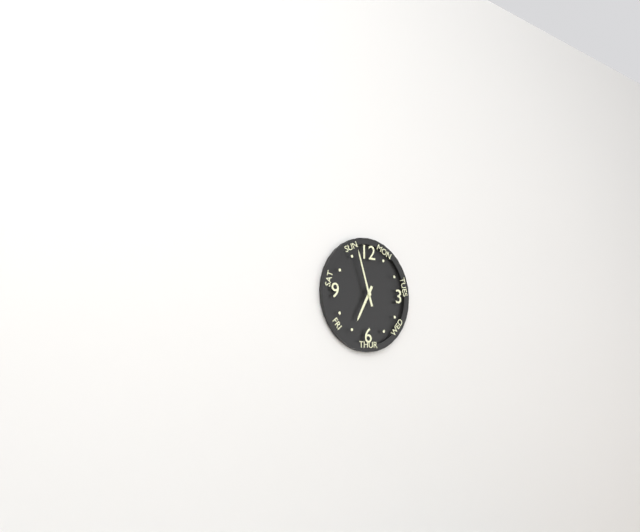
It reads **6:57**
